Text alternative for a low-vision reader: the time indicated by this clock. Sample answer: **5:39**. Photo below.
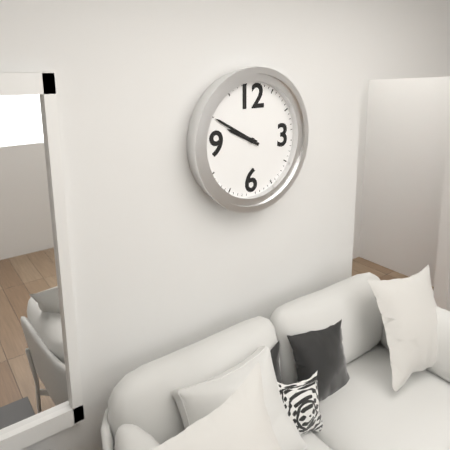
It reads **9:50**
